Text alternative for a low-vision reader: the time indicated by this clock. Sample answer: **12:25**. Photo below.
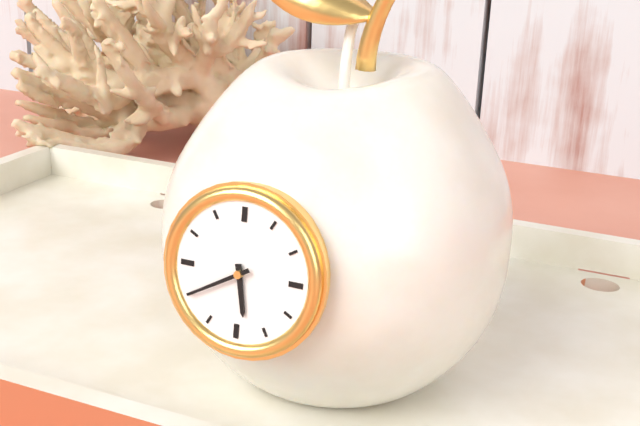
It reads **5:40**
